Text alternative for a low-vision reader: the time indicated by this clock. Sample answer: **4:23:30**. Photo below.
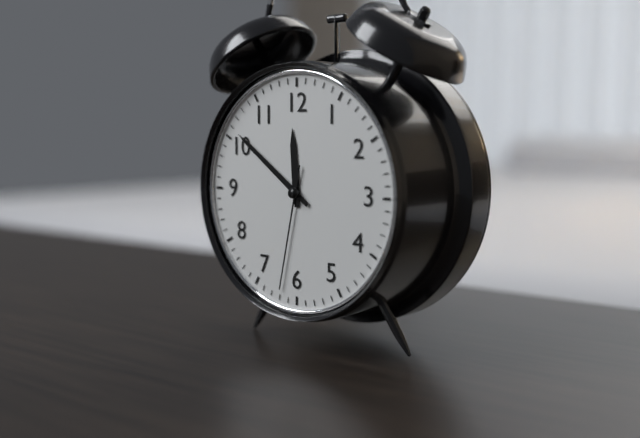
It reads **11:51:32**
